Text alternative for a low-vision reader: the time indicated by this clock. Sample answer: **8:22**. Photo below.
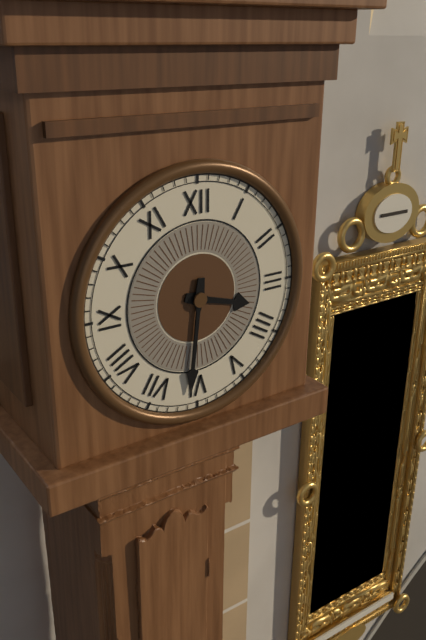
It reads **3:31**
